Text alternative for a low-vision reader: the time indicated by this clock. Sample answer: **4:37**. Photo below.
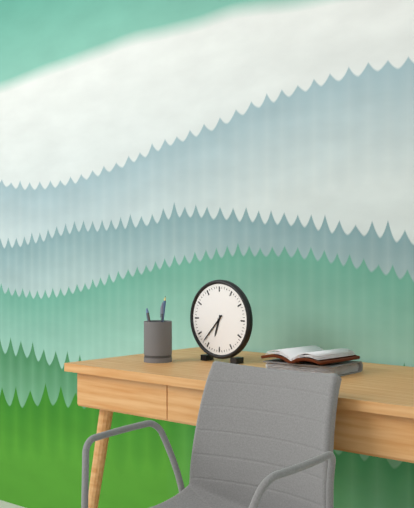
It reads **6:37**
